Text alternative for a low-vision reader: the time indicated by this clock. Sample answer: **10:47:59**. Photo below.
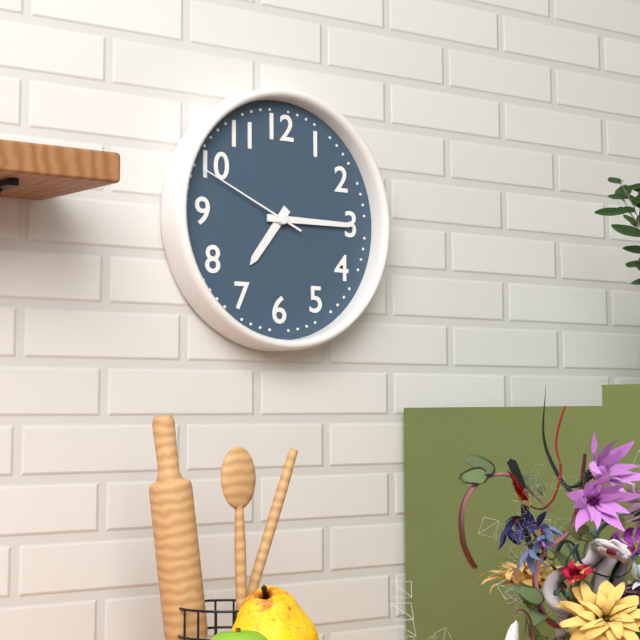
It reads **7:15:49**
